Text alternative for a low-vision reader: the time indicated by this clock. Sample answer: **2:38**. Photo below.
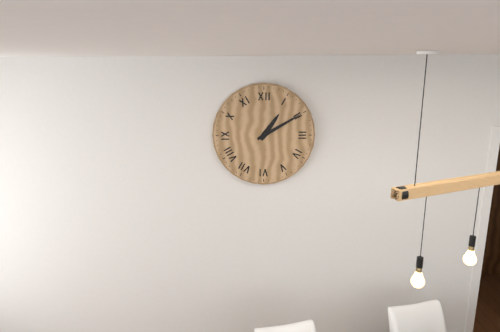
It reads **1:10**
